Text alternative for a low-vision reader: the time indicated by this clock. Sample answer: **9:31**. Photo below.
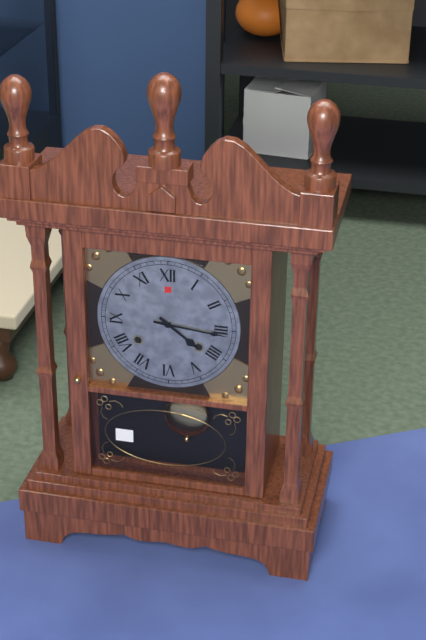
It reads **4:16**
